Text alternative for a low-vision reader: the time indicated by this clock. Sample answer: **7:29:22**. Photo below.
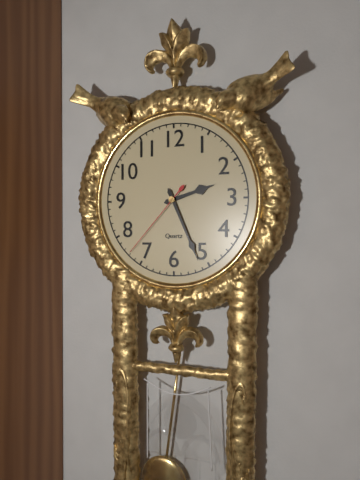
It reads **2:26:37**
